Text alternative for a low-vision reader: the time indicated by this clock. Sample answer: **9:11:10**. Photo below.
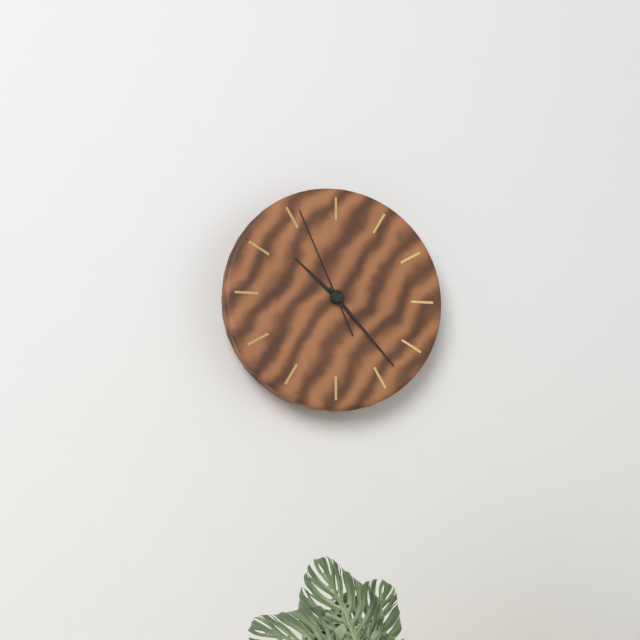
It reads **10:23:56**
